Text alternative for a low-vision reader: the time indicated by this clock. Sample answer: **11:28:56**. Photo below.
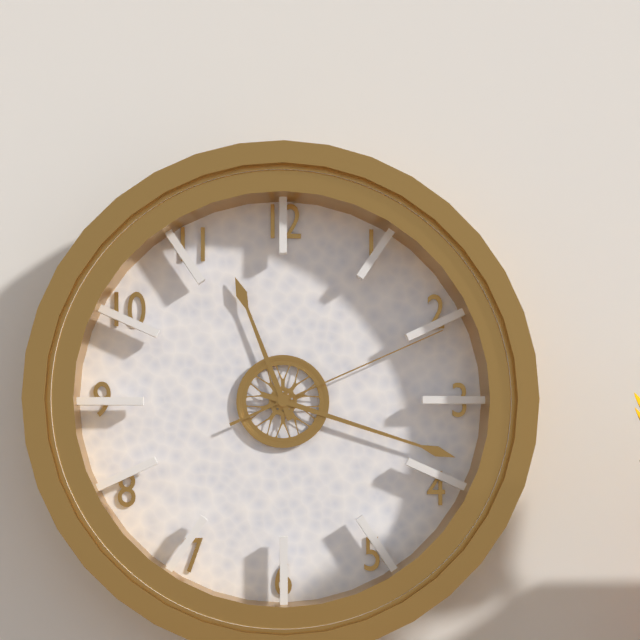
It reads **11:18:11**
